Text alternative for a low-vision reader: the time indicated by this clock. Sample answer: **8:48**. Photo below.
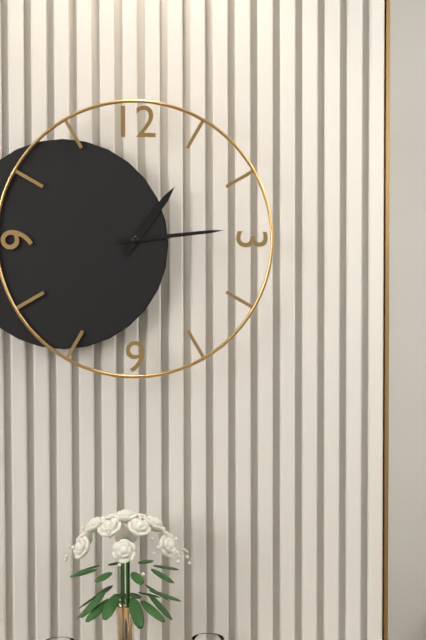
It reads **1:14**
